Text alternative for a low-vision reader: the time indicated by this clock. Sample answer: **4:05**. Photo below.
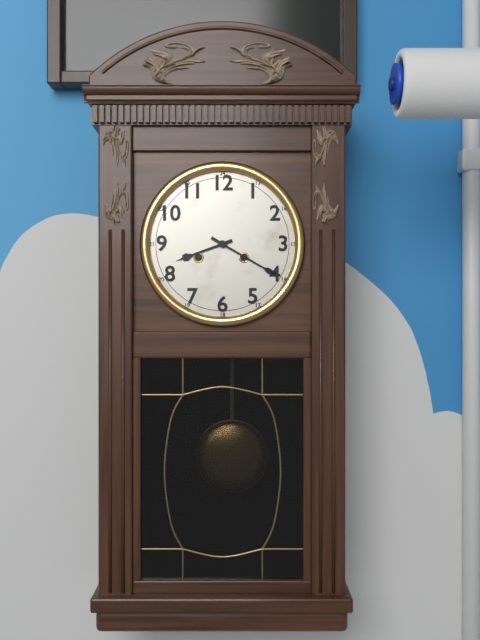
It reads **8:20**
